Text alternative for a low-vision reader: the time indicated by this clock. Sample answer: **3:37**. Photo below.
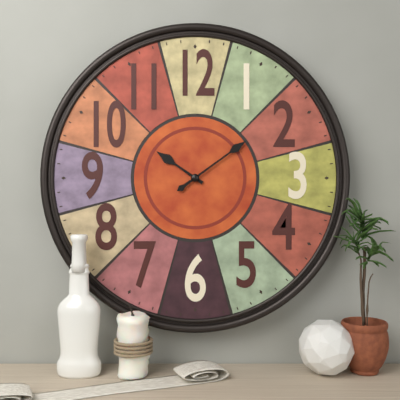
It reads **10:09**
